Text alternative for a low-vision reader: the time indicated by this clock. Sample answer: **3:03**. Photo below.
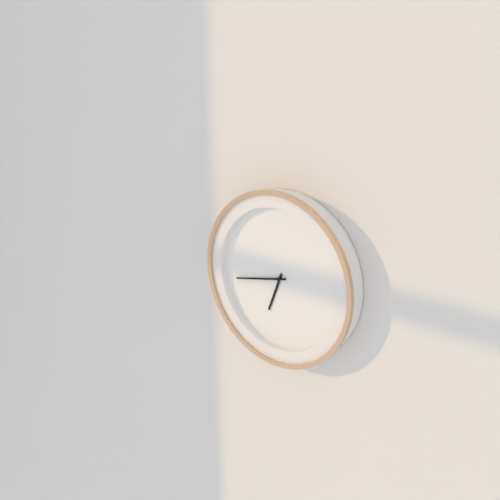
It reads **6:43**
